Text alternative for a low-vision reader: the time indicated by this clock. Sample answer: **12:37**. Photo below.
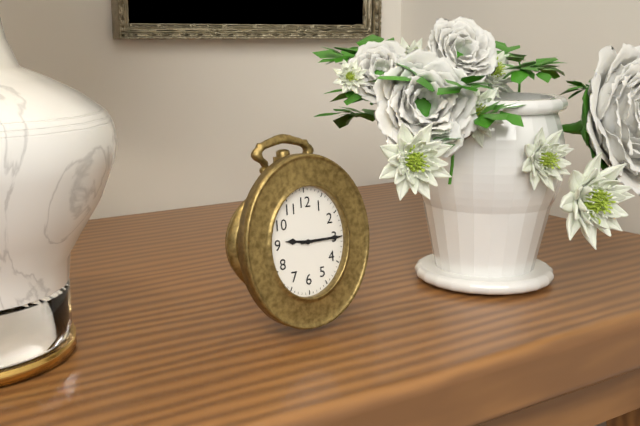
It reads **9:15**
